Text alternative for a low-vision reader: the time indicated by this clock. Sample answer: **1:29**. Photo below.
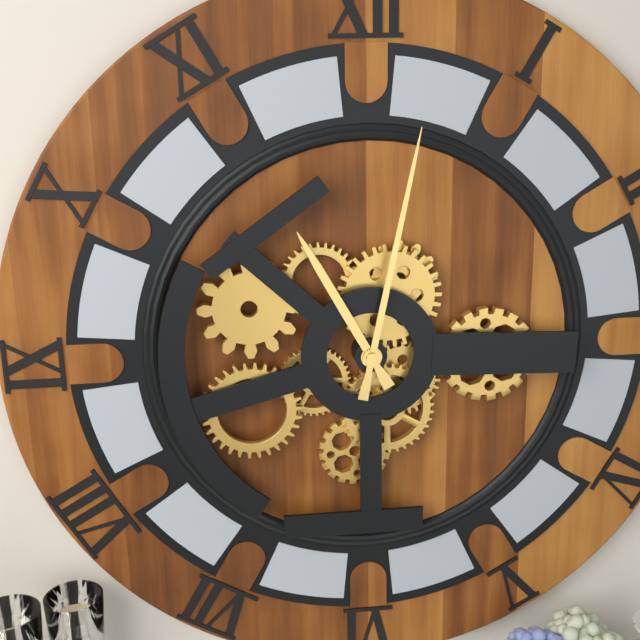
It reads **11:02**
